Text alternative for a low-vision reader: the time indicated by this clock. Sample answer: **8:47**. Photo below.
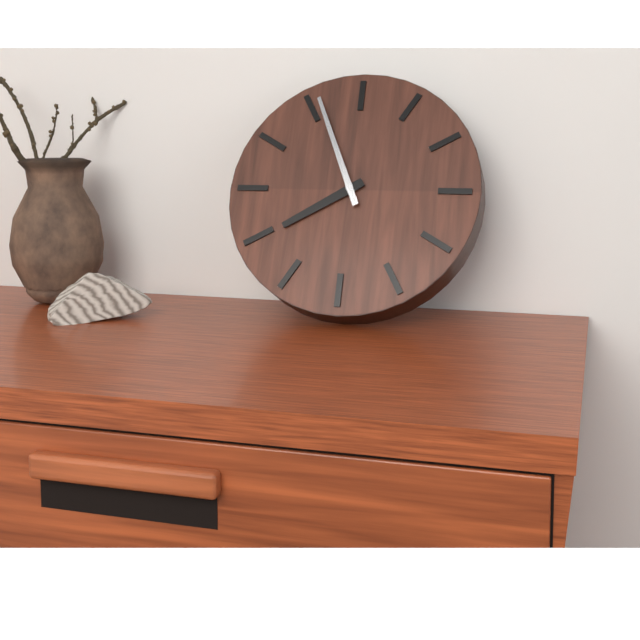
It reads **7:56**
